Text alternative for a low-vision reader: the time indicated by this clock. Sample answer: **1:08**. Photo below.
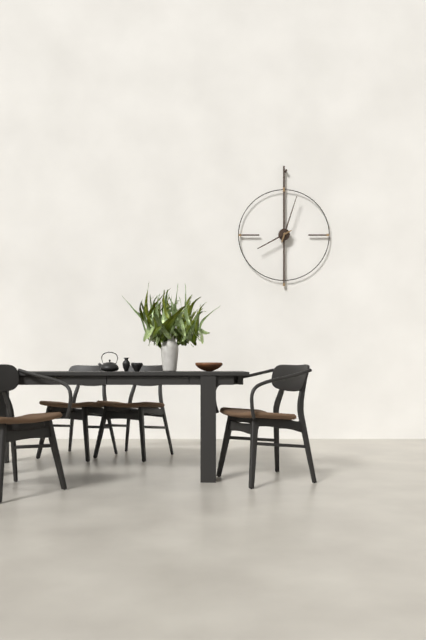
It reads **8:03**
